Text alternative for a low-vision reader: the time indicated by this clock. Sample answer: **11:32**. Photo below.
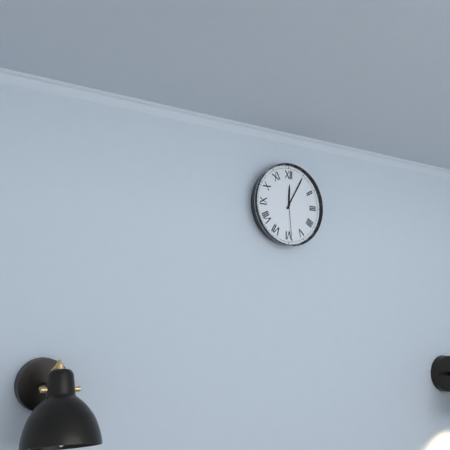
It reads **12:05**
